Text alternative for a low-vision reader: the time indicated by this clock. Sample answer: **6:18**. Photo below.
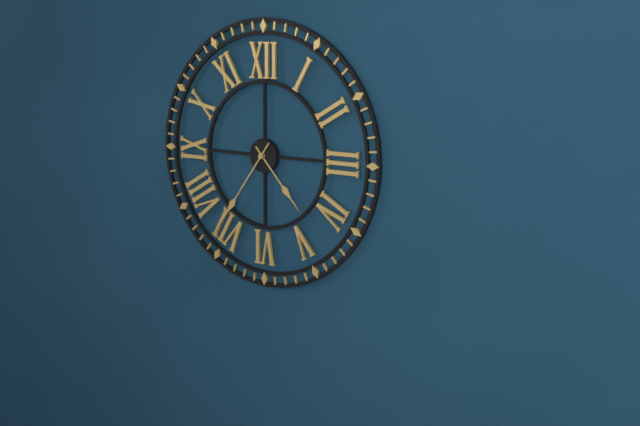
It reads **4:36**
